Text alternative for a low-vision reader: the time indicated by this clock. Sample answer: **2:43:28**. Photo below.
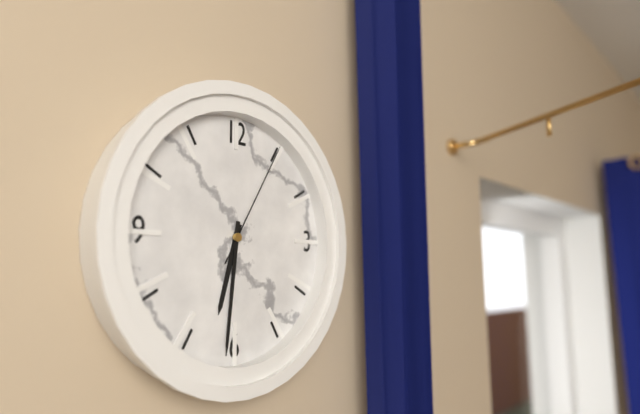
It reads **6:31:05**
